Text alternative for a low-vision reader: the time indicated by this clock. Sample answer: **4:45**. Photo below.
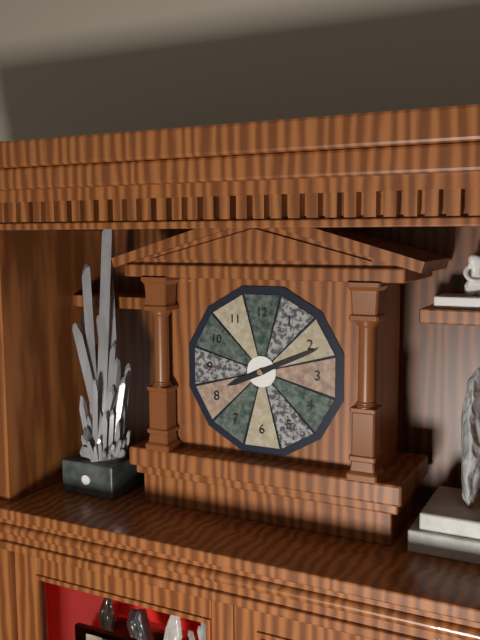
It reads **8:11**
